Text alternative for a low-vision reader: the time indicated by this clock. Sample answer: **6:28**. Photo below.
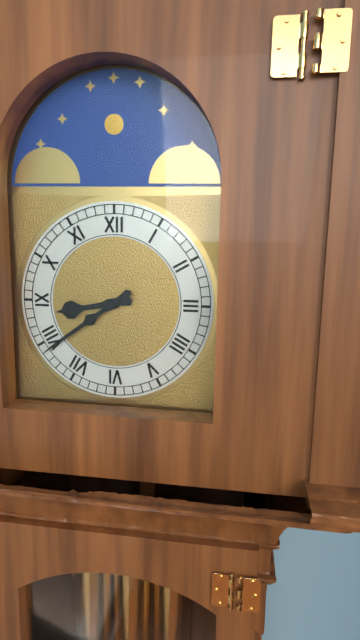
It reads **8:39**
